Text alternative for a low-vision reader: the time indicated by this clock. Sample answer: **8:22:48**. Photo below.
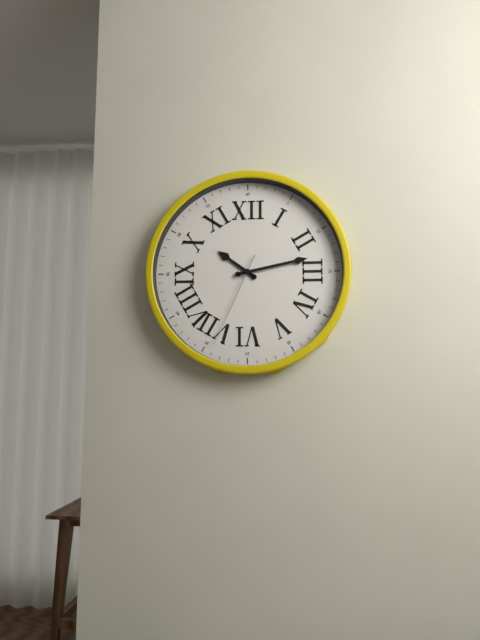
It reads **10:13:34**
